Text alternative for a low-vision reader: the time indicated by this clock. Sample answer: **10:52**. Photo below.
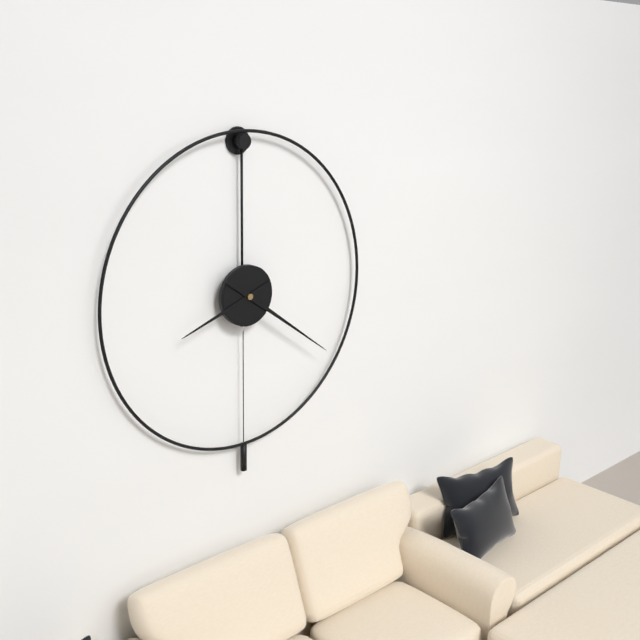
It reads **8:21**
